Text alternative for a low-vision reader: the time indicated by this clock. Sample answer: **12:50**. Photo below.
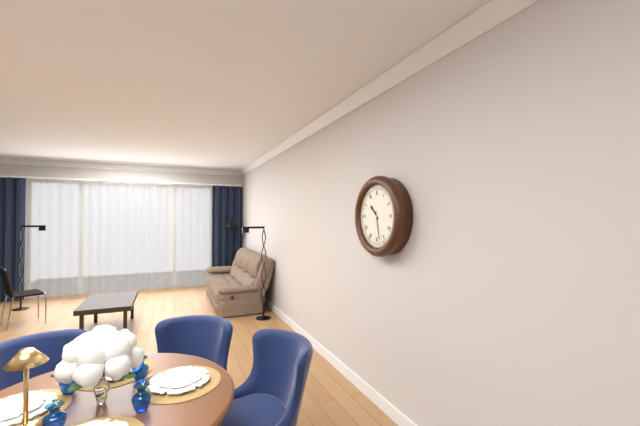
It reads **10:28**
